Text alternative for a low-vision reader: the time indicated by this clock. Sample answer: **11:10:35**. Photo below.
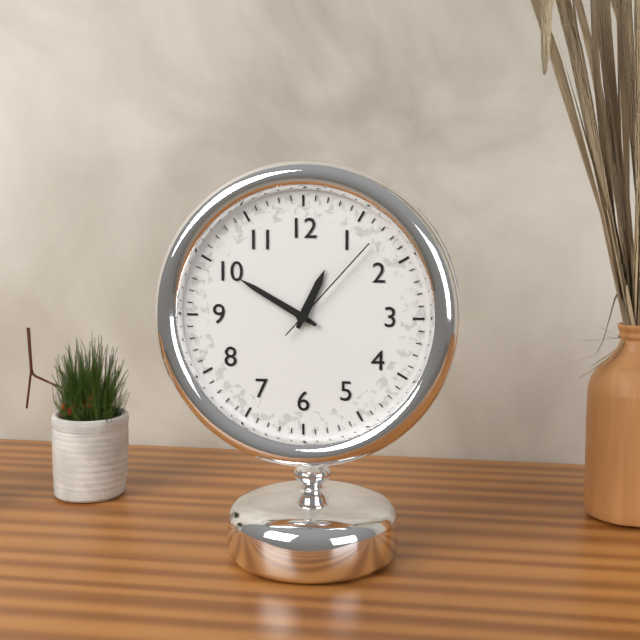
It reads **12:50:07**
